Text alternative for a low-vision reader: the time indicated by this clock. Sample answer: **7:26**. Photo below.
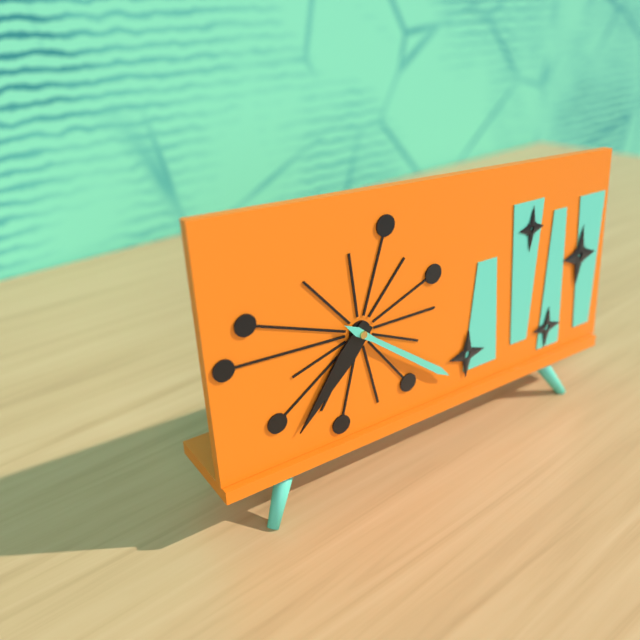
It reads **7:21**
